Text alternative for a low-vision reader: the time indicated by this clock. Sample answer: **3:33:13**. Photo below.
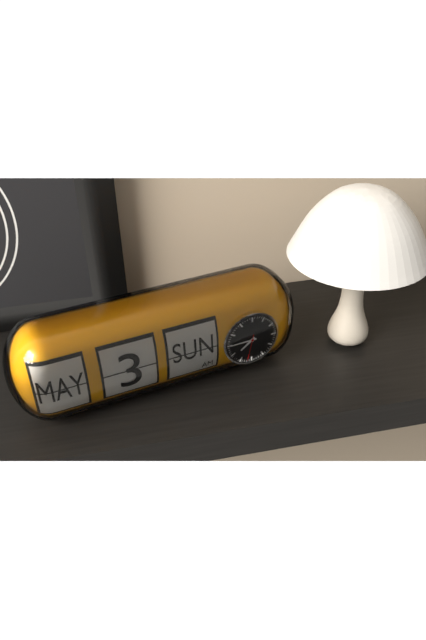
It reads **7:45:32**
